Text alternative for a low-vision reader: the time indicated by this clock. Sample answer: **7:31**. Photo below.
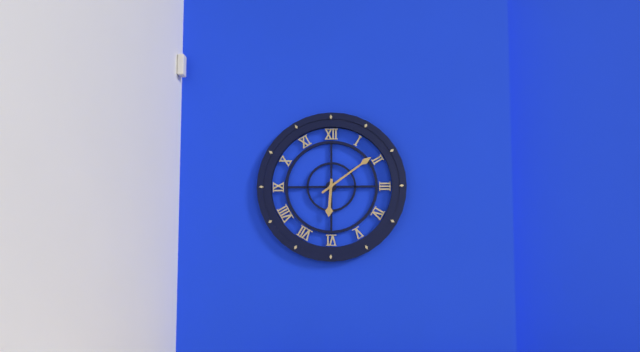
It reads **6:09**
